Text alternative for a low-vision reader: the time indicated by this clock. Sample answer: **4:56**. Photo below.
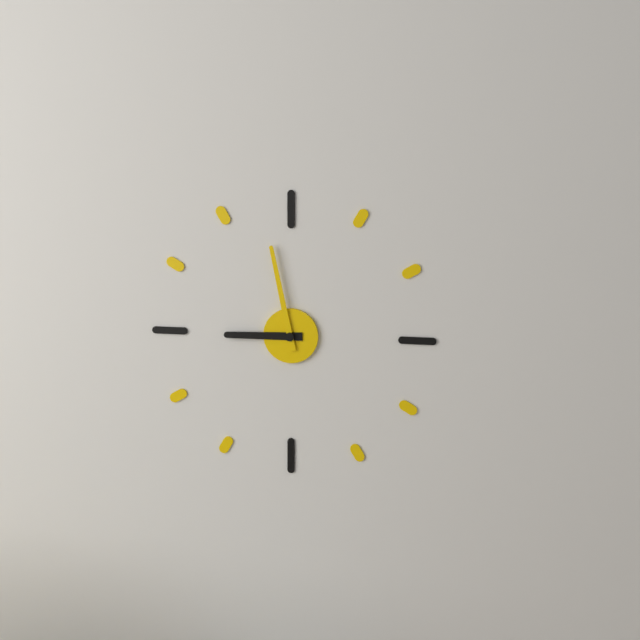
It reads **8:58**
